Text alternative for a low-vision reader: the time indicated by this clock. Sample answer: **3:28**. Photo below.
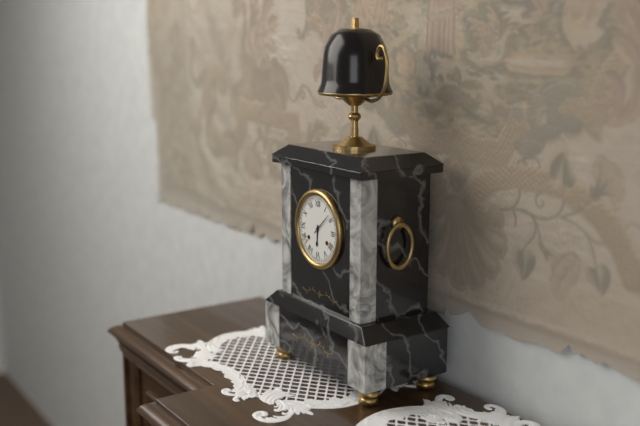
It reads **6:08**
